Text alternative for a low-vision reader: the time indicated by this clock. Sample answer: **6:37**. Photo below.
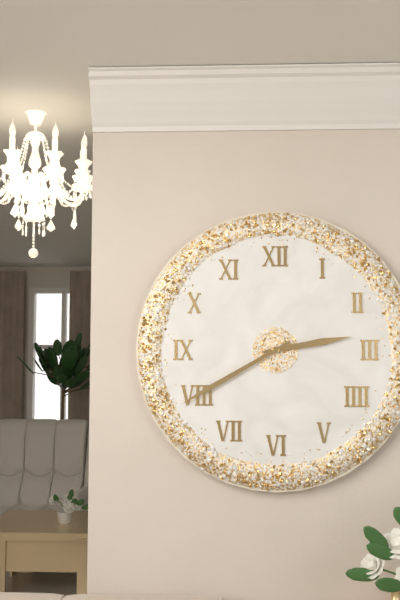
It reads **2:40**
